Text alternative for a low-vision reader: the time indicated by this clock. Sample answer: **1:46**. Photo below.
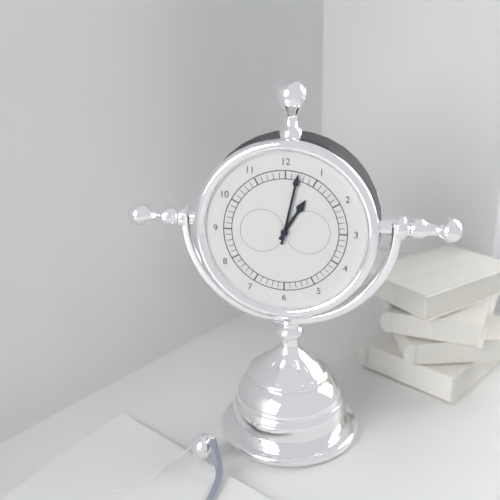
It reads **1:02**
